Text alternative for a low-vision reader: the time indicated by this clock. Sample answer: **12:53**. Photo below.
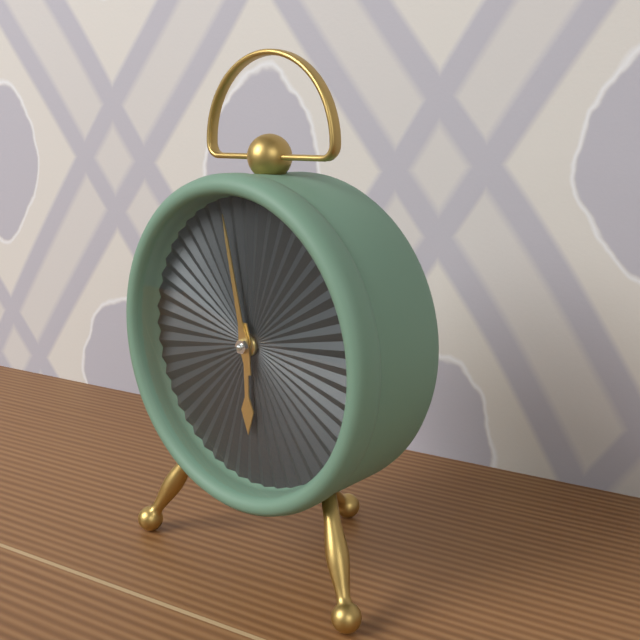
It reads **5:58**
